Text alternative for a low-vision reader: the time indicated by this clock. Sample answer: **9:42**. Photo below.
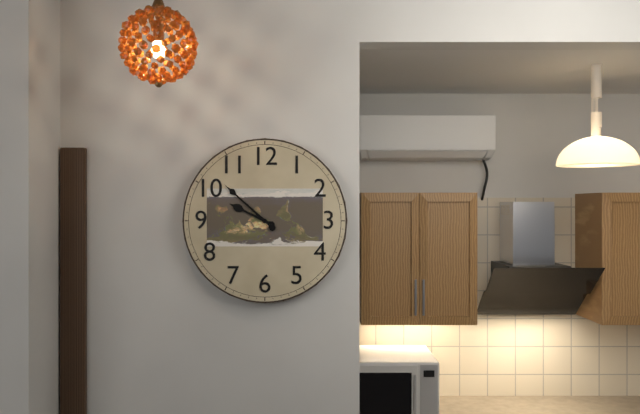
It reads **9:52**
